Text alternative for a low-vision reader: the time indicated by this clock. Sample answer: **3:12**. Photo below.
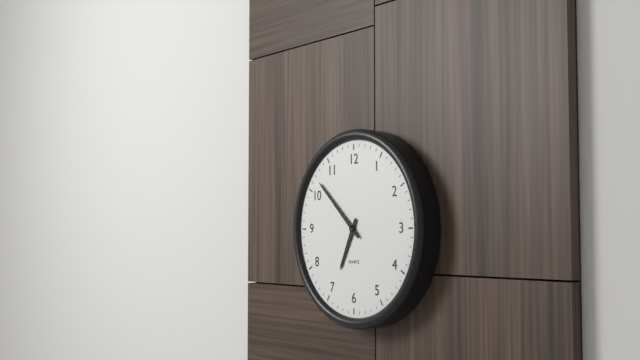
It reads **6:52**
